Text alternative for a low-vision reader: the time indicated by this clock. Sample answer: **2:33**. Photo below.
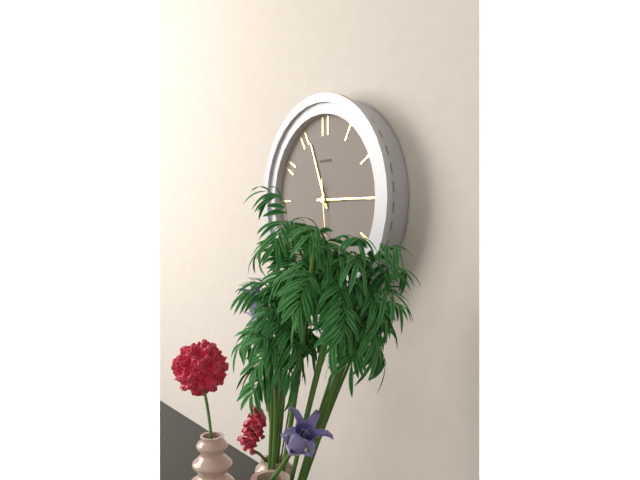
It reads **11:15**
